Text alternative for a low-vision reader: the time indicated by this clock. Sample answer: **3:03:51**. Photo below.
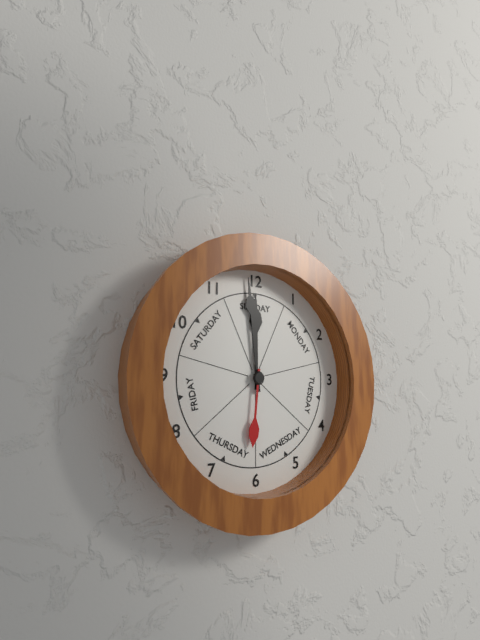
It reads **11:59:31**
